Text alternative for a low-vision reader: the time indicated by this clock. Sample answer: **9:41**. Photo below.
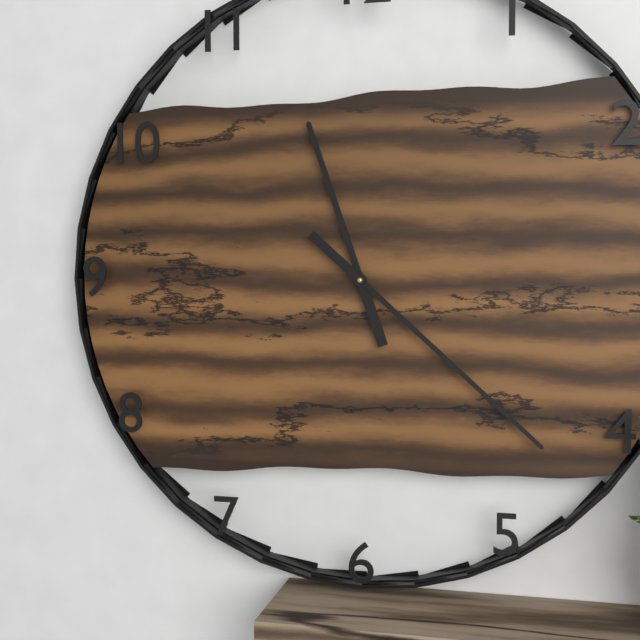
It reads **11:22**
